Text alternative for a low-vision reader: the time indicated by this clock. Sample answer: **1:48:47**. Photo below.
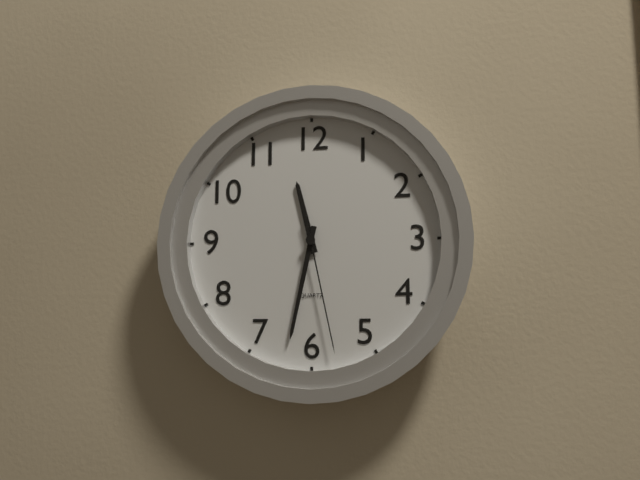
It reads **11:32:28**
